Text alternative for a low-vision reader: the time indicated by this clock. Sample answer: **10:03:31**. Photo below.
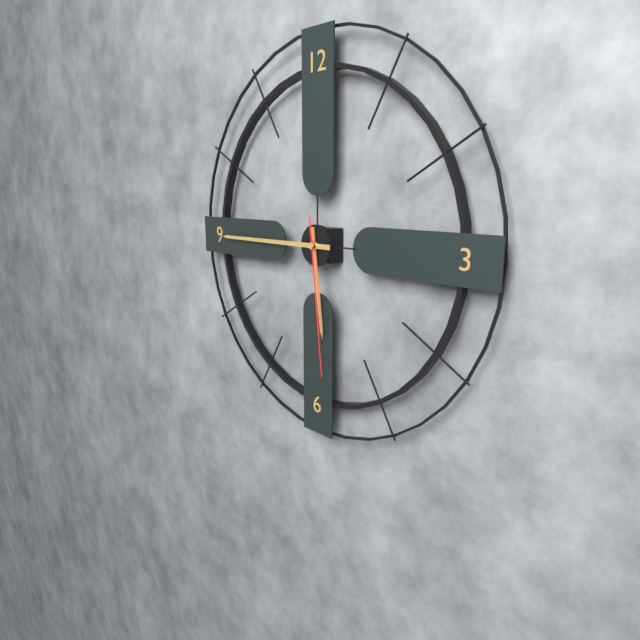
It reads **5:45:29**
